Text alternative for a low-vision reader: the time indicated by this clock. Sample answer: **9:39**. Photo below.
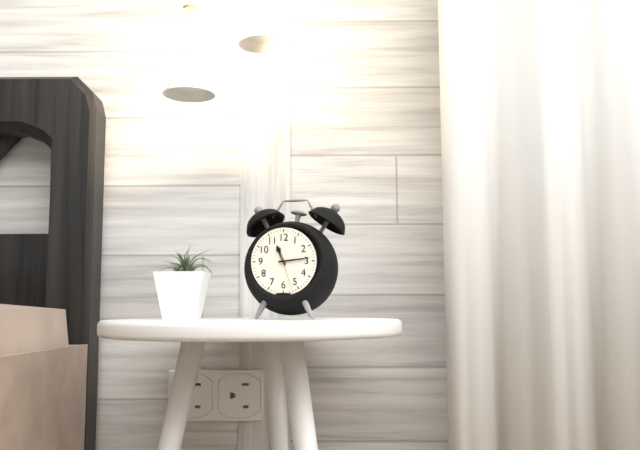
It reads **11:14**
